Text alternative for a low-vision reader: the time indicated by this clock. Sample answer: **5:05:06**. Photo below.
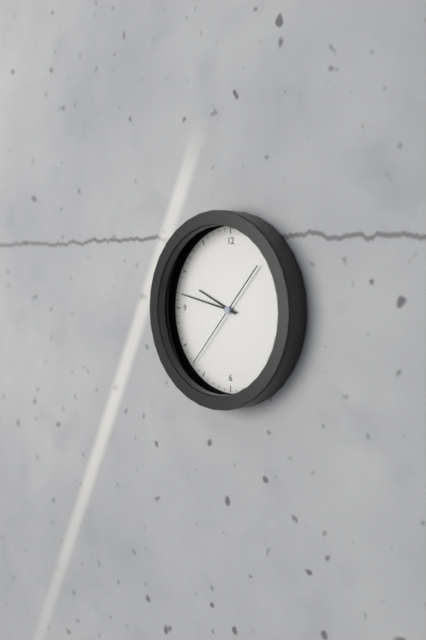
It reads **9:47:37**
